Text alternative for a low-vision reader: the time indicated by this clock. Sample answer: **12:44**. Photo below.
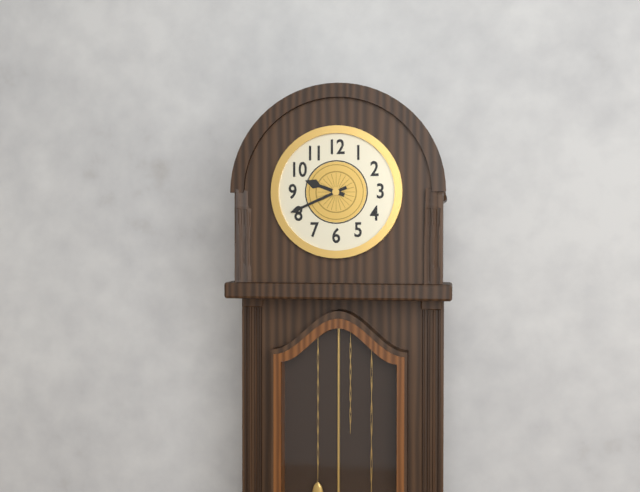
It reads **9:41**
